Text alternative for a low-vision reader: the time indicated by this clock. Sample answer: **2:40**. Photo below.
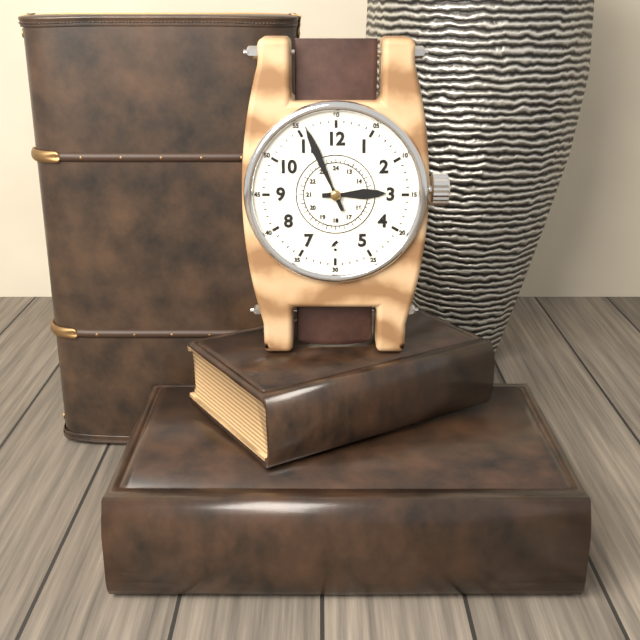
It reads **2:56**
